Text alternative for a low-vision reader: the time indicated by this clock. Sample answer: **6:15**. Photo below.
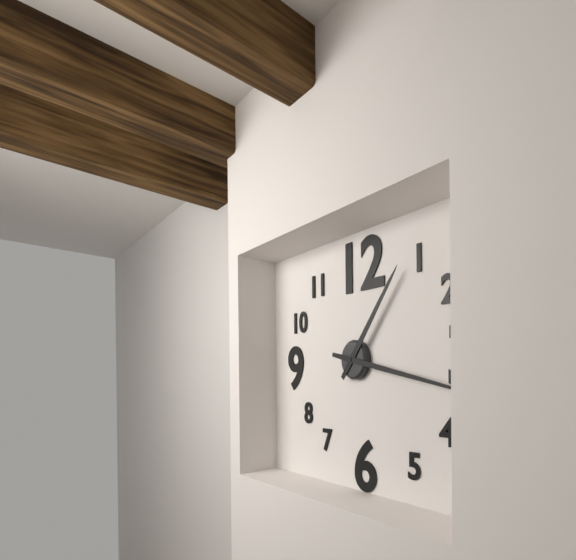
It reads **1:17**
